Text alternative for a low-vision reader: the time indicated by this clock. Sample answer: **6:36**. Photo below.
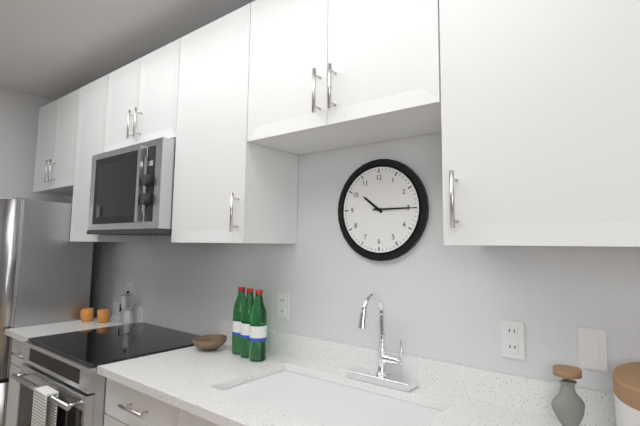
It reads **10:15**
